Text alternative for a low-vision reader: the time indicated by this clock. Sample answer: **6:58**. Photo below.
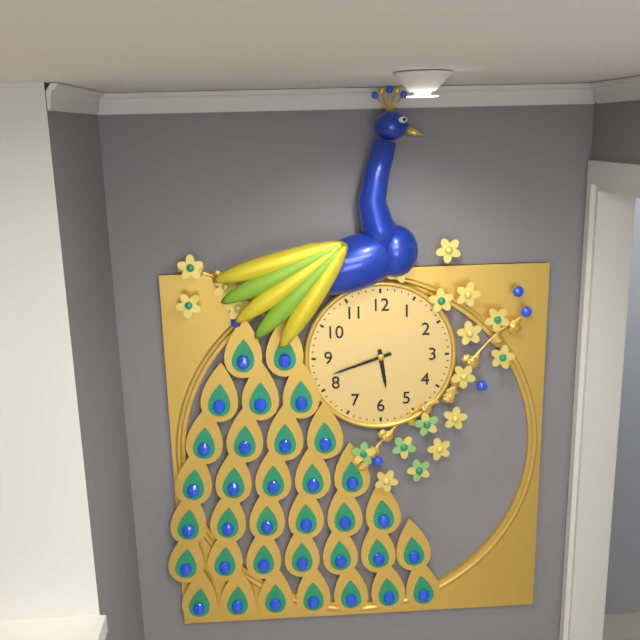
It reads **5:42**
